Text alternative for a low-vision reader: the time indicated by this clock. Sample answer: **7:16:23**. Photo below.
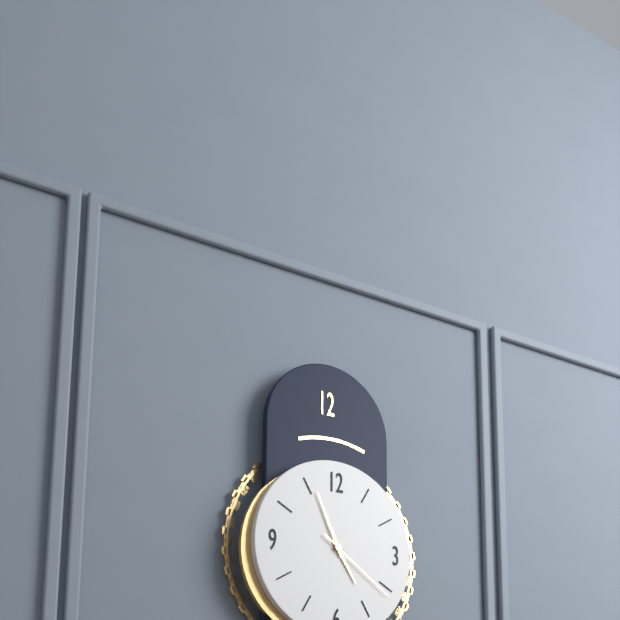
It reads **4:56:21**
